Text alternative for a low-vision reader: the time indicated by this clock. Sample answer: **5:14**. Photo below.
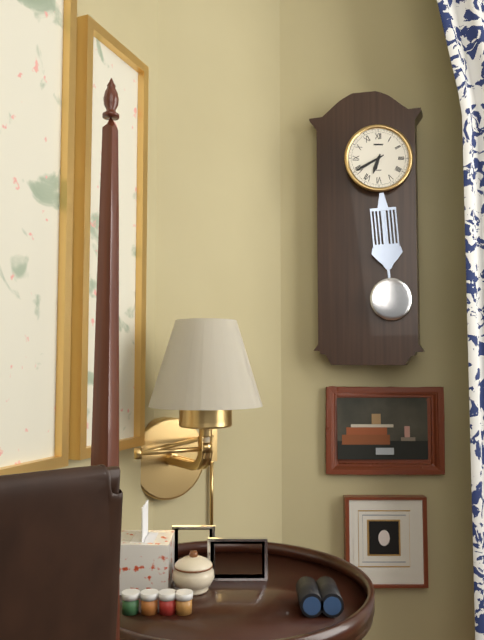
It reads **6:40**
